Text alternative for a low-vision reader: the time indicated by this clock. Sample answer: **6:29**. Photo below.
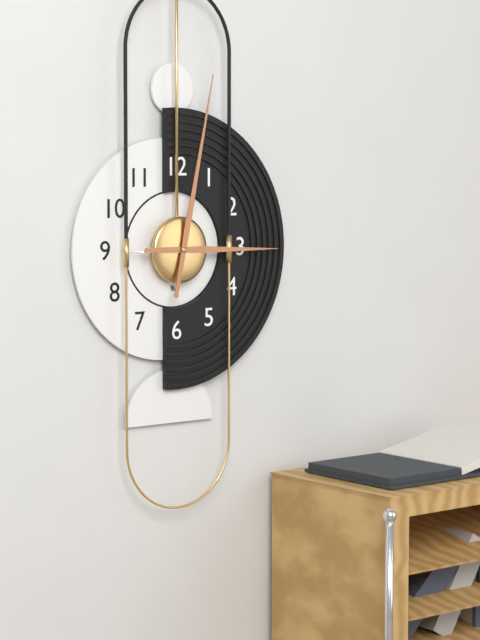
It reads **3:02**
